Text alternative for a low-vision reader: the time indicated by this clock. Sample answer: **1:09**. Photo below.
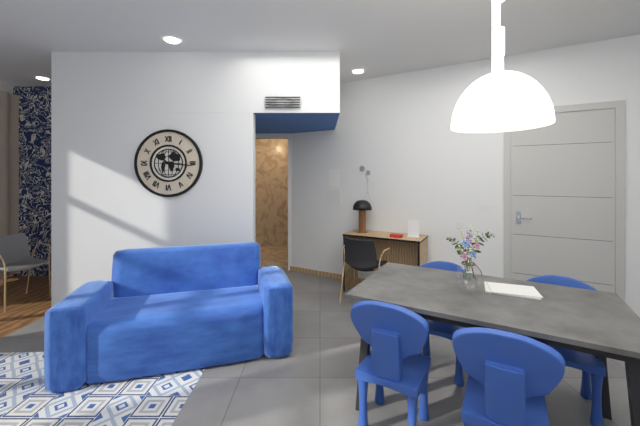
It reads **10:16**
